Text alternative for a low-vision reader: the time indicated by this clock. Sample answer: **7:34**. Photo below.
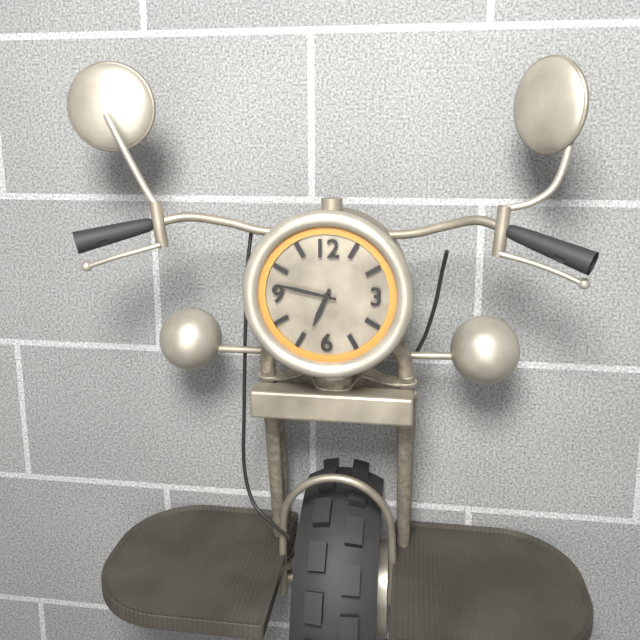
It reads **6:47**
